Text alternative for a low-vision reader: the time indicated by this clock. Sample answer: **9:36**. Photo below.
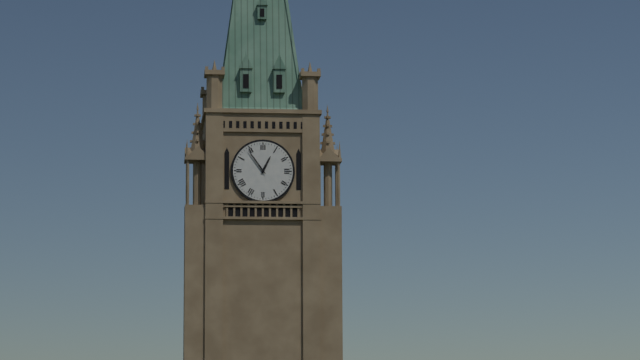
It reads **12:54**
